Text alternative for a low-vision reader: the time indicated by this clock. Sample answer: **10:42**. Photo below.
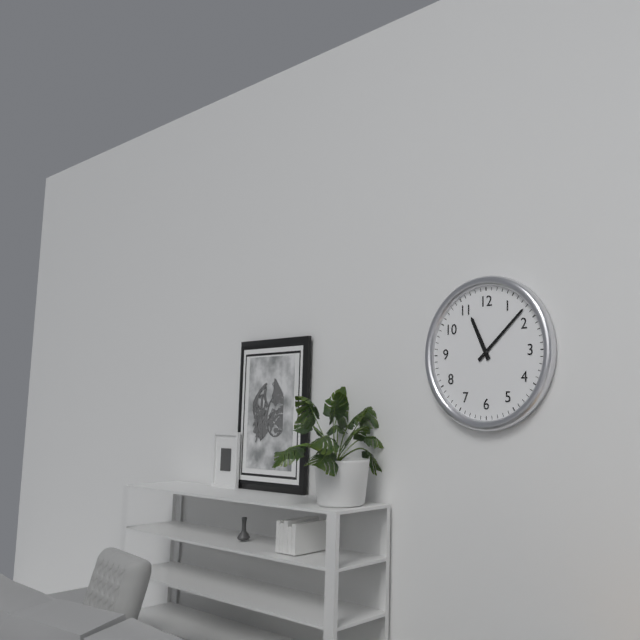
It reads **11:08**
